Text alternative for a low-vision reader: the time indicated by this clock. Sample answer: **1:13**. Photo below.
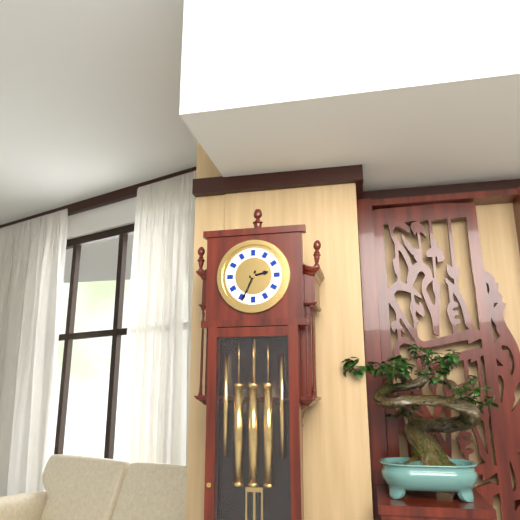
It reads **2:34**
